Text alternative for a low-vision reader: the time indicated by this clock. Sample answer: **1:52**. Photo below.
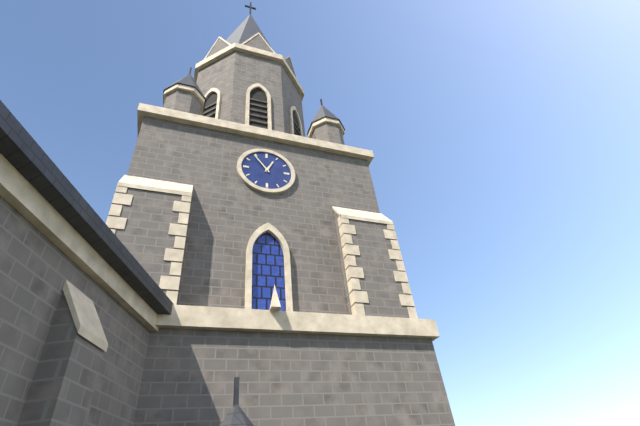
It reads **12:54**
